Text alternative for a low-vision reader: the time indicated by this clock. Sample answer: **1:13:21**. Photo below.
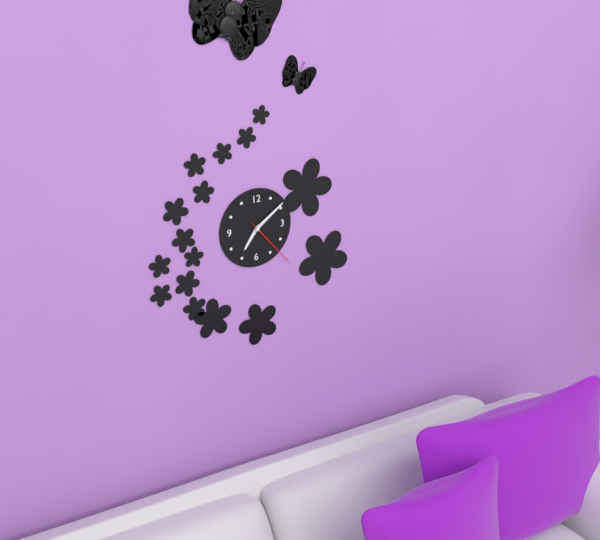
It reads **7:09:23**
